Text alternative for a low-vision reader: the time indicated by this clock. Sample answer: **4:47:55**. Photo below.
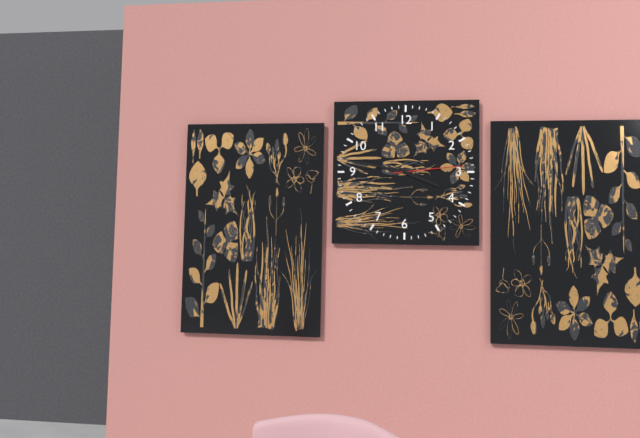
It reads **3:47:14**
